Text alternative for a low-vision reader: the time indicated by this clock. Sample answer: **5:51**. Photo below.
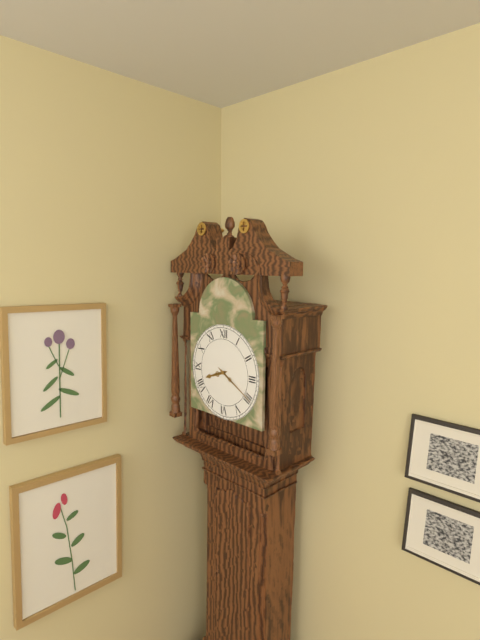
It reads **8:20**
